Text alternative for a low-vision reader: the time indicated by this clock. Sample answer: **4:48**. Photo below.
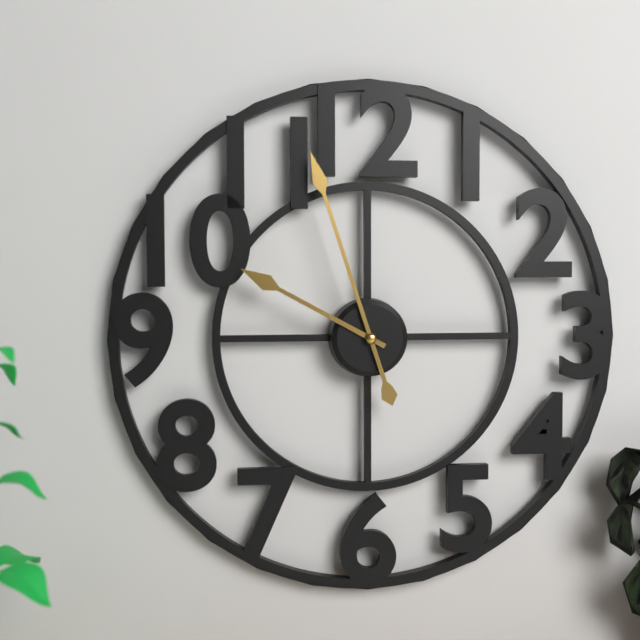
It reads **9:57**
